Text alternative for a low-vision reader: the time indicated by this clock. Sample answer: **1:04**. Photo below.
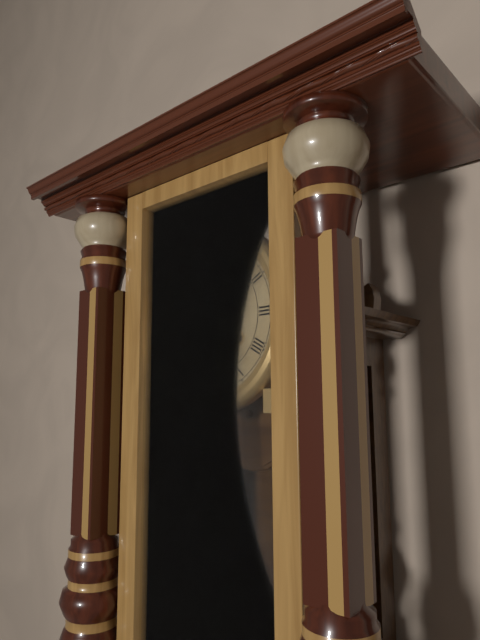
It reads **10:38**
